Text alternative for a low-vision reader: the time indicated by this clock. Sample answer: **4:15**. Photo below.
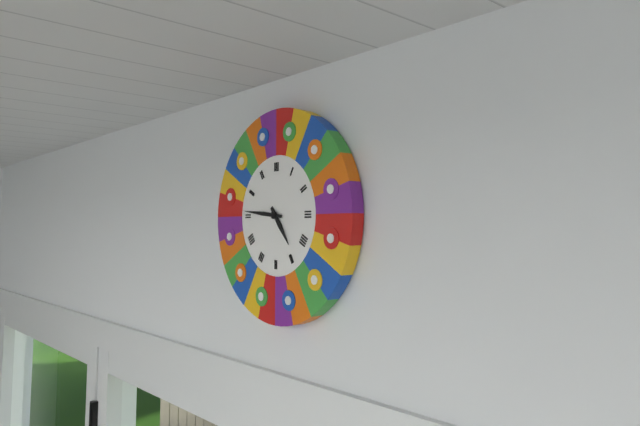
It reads **4:46**
